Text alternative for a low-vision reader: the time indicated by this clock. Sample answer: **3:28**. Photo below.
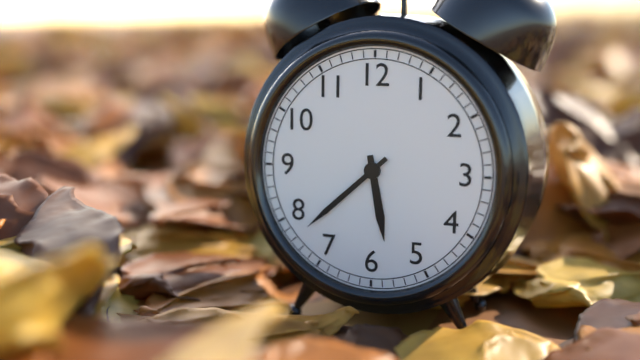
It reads **5:38**
